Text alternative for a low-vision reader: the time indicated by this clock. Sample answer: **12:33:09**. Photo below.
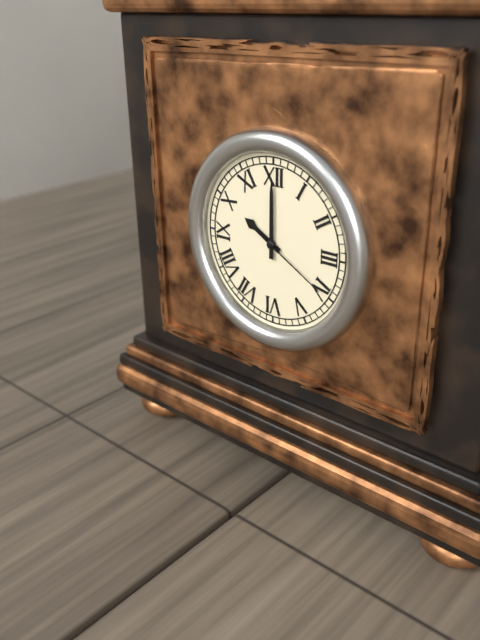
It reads **10:00:20**
